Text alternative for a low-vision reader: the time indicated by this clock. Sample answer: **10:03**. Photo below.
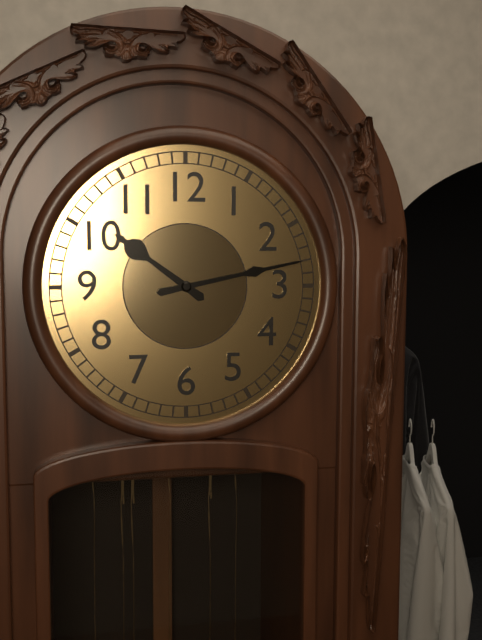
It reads **10:13**
